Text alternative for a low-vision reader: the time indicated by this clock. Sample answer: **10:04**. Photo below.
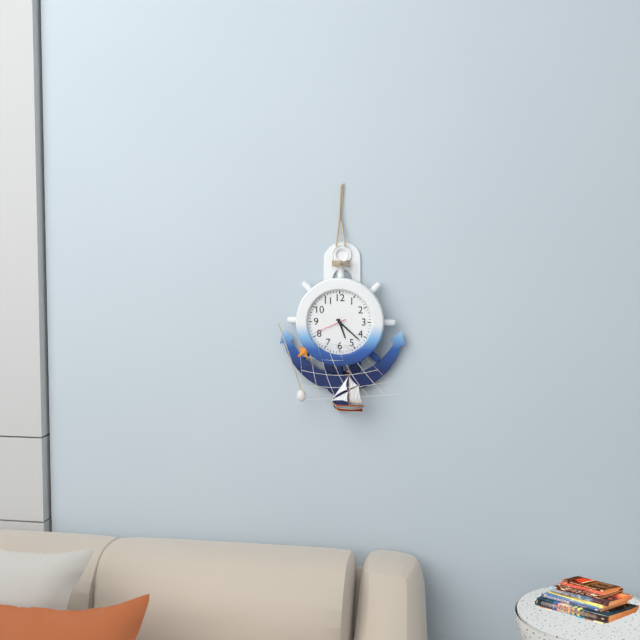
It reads **5:22**
